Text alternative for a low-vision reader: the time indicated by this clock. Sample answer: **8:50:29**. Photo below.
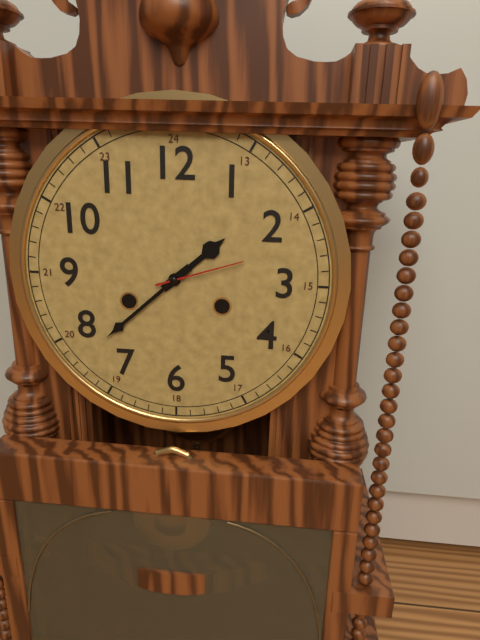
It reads **1:38:12**
